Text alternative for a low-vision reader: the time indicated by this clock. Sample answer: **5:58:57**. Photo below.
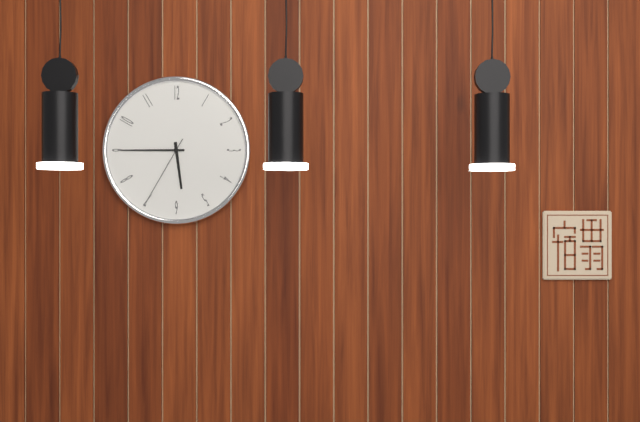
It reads **5:45:35**
